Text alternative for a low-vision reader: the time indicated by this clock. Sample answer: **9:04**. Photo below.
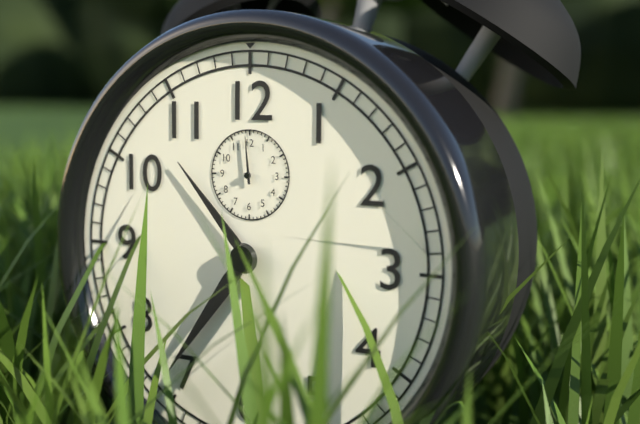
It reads **10:36**
